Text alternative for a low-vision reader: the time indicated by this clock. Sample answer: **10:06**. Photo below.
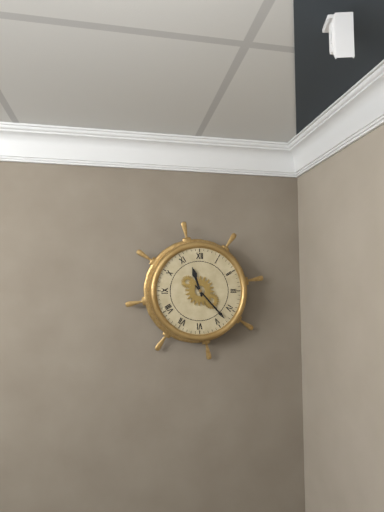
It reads **11:23**
